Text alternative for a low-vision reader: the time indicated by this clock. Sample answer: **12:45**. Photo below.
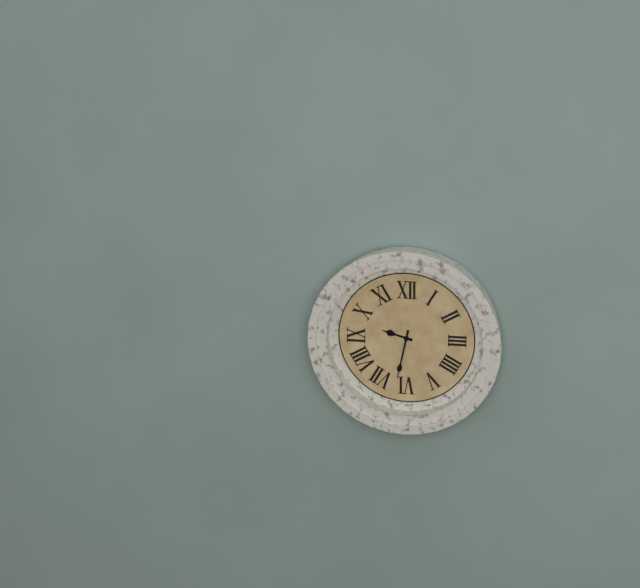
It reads **9:32**
